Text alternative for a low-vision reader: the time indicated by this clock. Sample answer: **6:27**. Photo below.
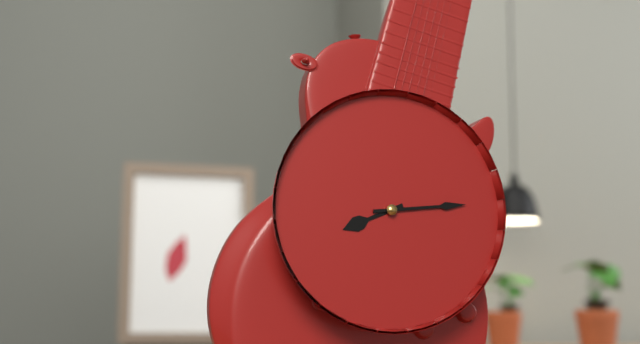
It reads **8:14**
